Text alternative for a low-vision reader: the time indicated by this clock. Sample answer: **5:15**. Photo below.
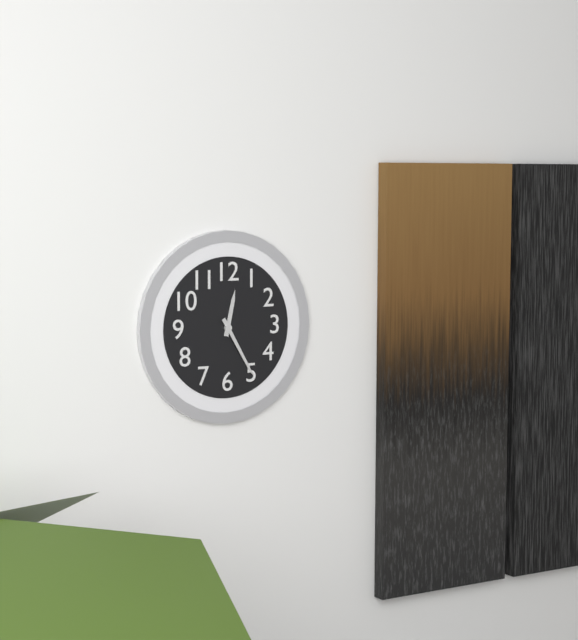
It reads **12:25**
